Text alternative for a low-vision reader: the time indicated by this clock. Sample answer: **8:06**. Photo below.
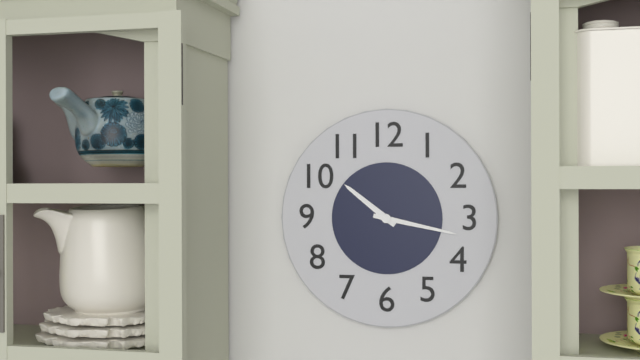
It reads **10:17**
